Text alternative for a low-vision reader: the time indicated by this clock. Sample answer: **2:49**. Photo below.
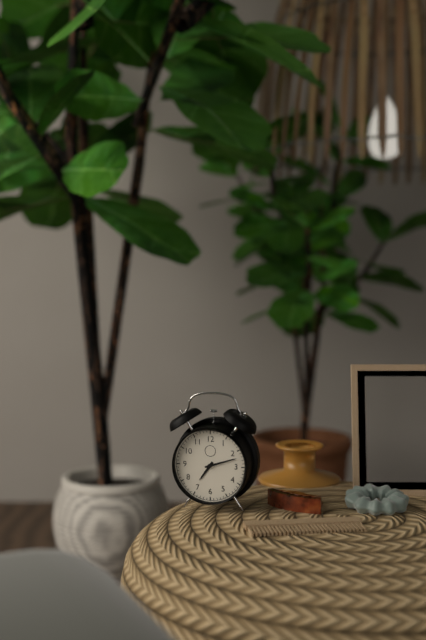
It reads **7:12**
